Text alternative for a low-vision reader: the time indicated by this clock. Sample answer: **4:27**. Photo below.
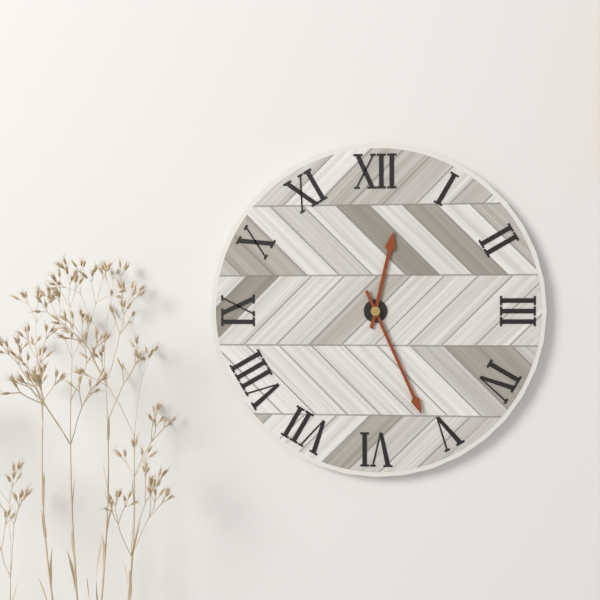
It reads **12:26**
